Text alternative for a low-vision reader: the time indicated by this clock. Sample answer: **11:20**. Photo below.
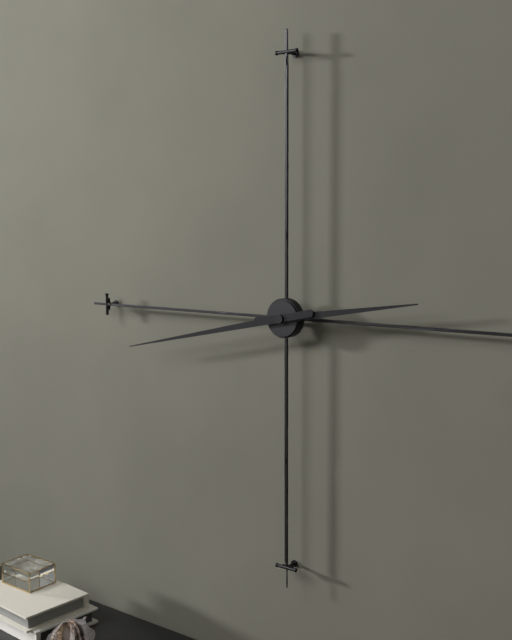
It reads **2:43**
